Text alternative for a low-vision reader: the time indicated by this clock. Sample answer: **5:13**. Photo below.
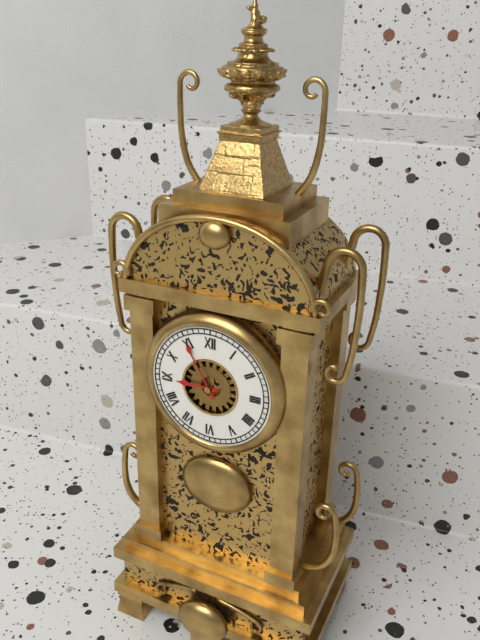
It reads **8:55**
